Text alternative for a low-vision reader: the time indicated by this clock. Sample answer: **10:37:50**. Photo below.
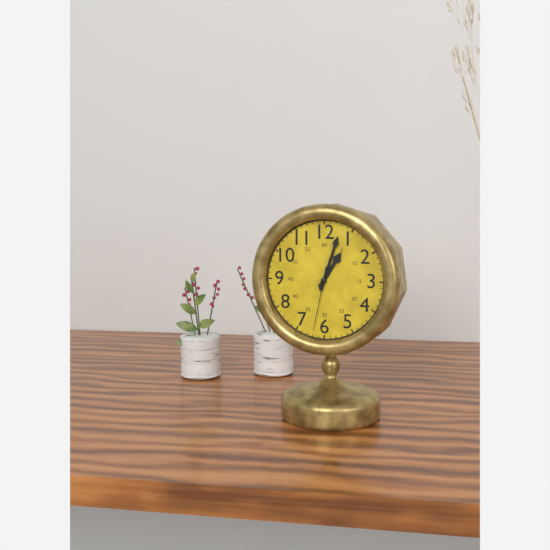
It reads **1:03:32**
